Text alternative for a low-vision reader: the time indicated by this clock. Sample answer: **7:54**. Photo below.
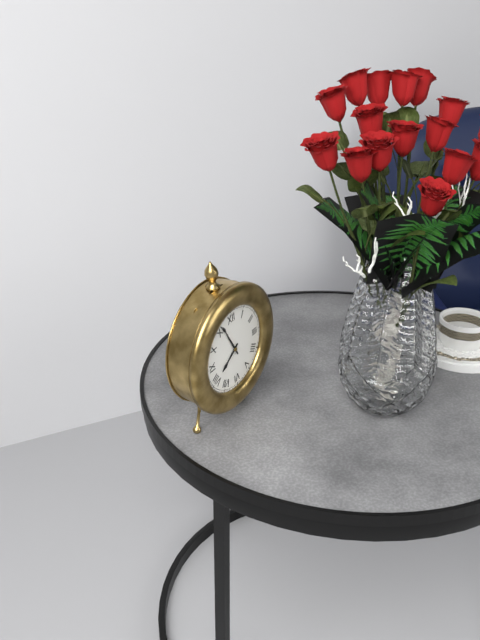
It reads **7:56**
